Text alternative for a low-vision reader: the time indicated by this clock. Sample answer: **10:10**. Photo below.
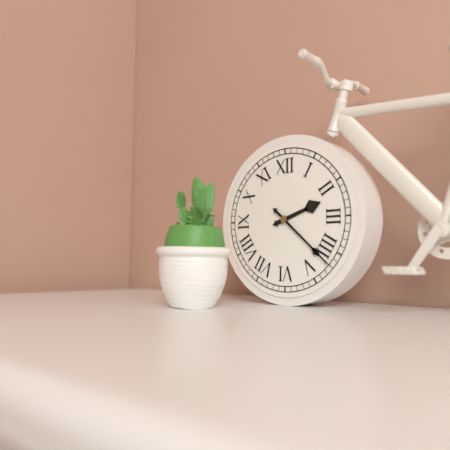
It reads **2:22**
